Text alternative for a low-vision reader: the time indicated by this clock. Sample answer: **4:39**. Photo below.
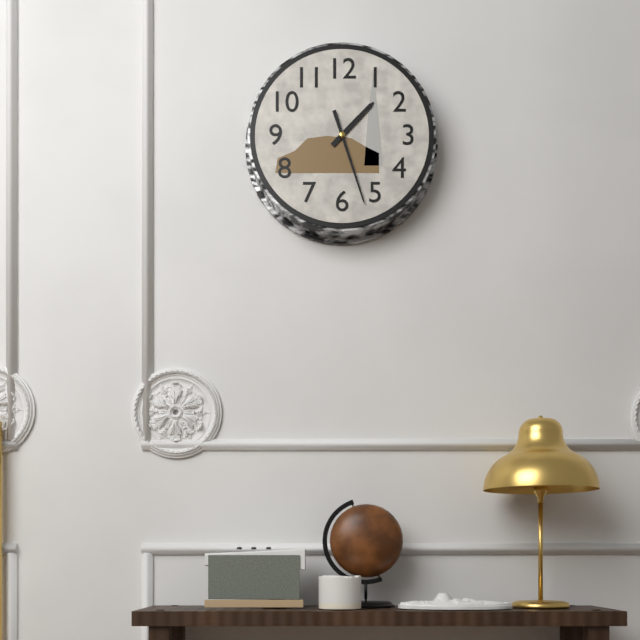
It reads **1:27**
